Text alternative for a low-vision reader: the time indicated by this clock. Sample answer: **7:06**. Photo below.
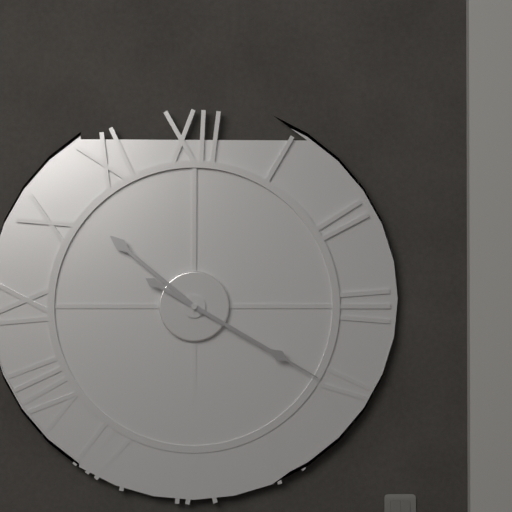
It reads **10:20**
